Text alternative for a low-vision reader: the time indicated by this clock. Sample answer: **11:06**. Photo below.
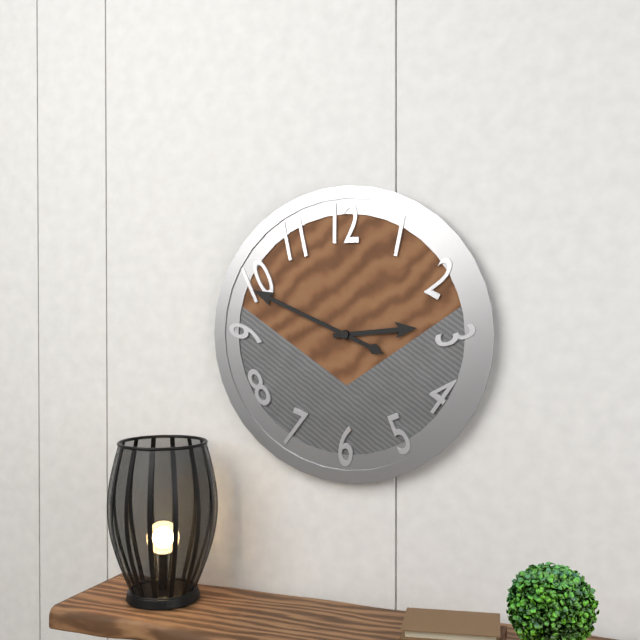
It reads **2:49**
